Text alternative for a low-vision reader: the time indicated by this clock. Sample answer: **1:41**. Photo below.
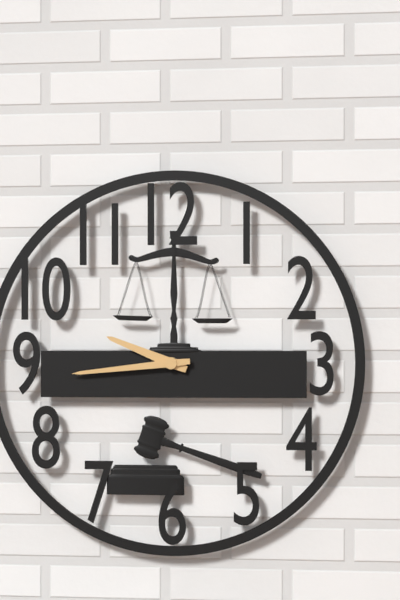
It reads **9:44**
